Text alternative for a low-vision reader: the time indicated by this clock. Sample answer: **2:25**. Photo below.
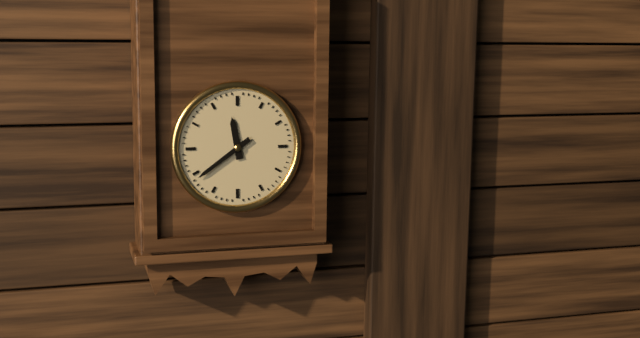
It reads **11:39**
